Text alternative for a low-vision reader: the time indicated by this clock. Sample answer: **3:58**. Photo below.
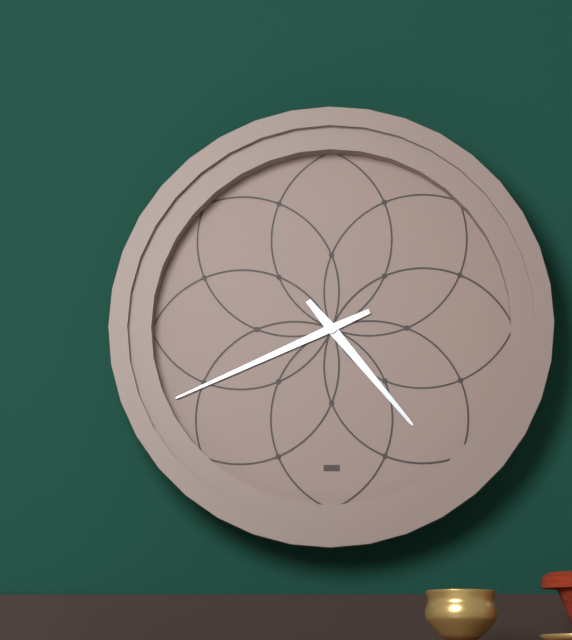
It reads **4:41**
